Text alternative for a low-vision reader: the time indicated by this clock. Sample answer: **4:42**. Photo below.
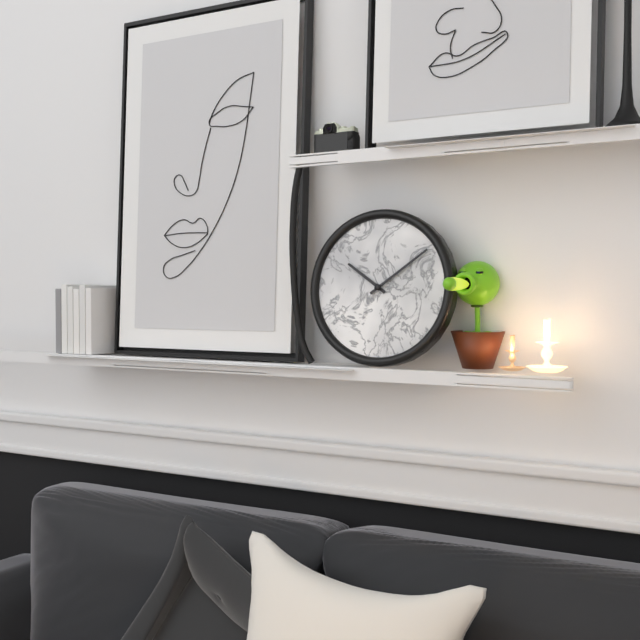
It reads **10:09**
